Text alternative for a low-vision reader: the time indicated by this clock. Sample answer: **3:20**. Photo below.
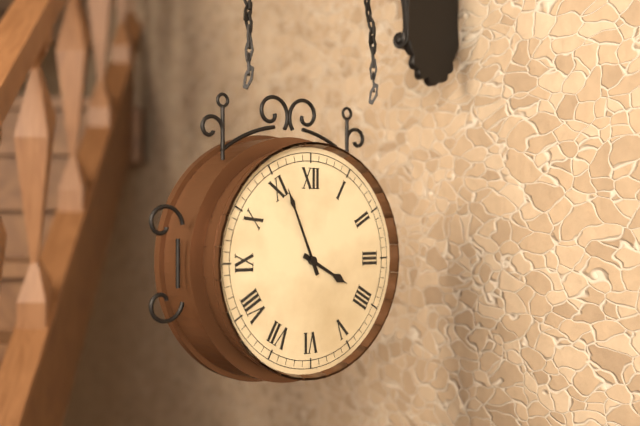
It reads **3:56**
